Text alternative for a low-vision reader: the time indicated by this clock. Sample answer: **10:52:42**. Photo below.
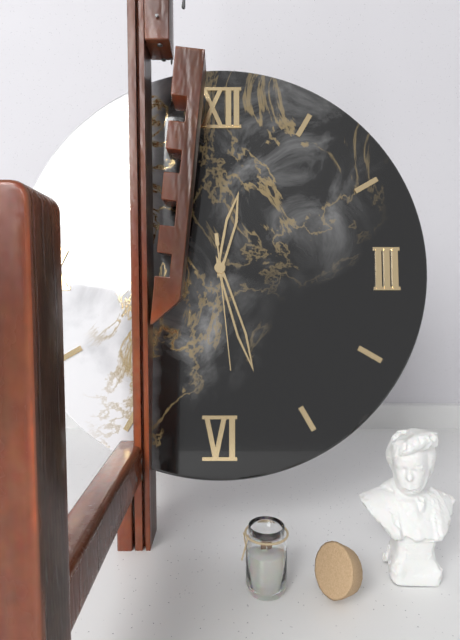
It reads **12:27:29**
